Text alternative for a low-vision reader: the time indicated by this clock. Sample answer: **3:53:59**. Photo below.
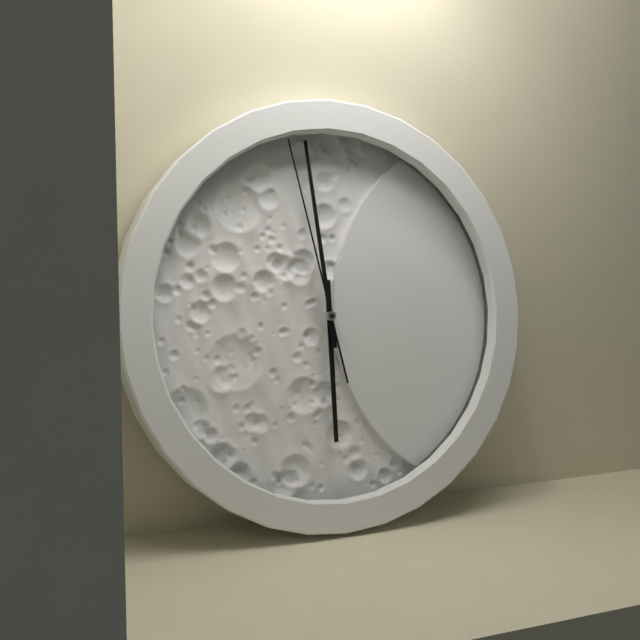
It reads **5:59:58**
